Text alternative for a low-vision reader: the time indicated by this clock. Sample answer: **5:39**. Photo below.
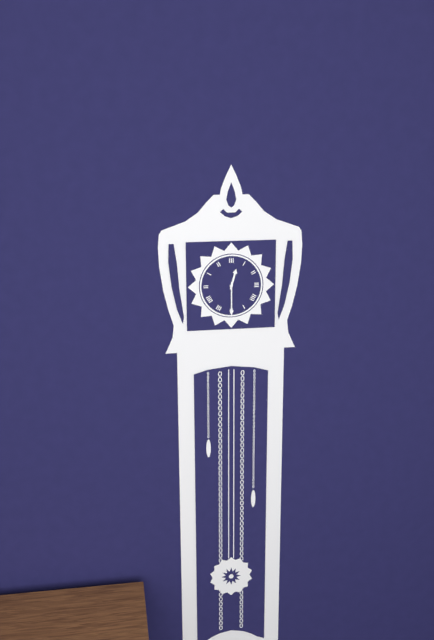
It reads **12:30**
